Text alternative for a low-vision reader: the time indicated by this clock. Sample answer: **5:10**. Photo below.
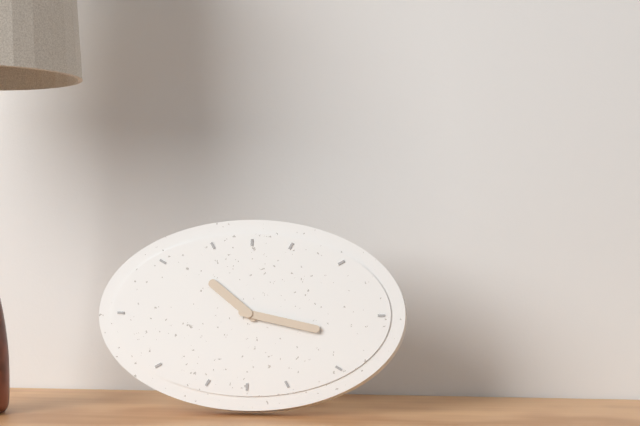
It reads **10:17**
